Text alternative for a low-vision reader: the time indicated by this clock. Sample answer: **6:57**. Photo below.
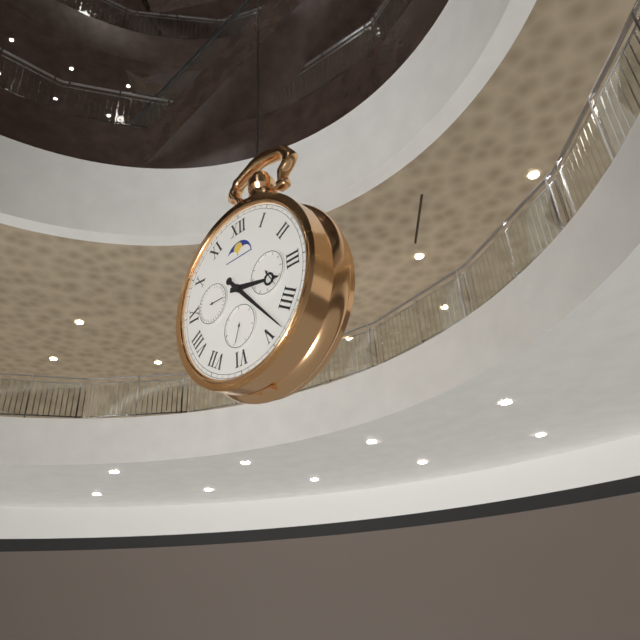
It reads **3:23**
